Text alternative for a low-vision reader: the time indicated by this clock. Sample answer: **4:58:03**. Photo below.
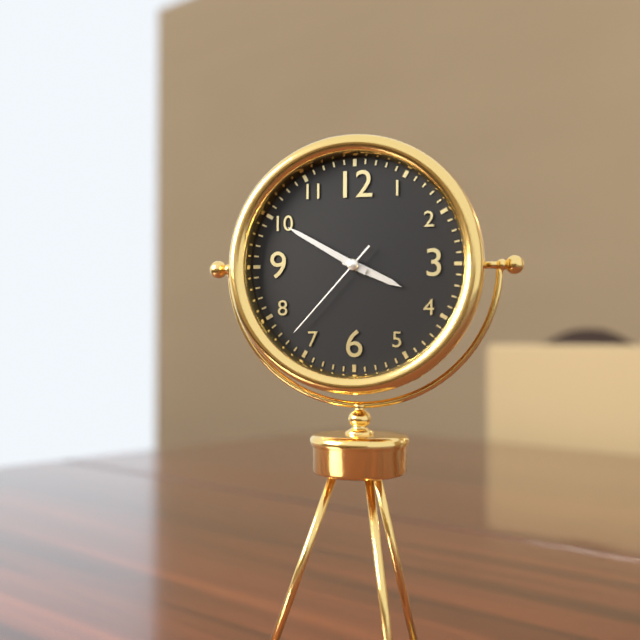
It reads **3:50:37**
